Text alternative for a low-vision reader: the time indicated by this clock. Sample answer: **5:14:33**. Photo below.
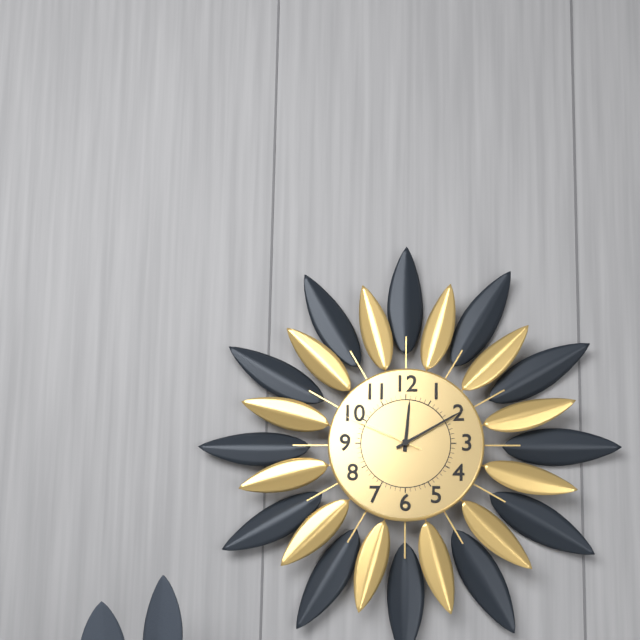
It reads **12:10:49**
